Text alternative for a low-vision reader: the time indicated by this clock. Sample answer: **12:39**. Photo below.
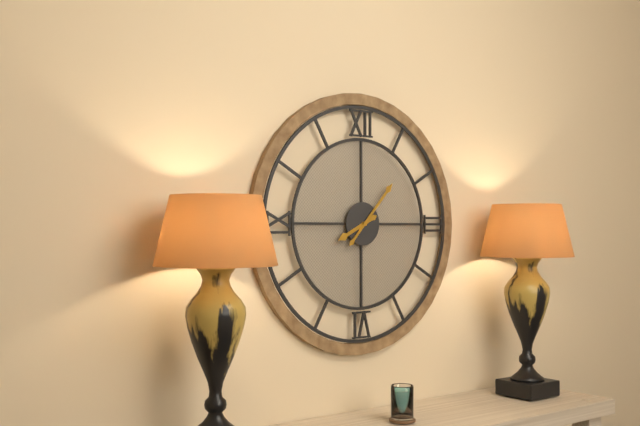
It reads **8:07**
